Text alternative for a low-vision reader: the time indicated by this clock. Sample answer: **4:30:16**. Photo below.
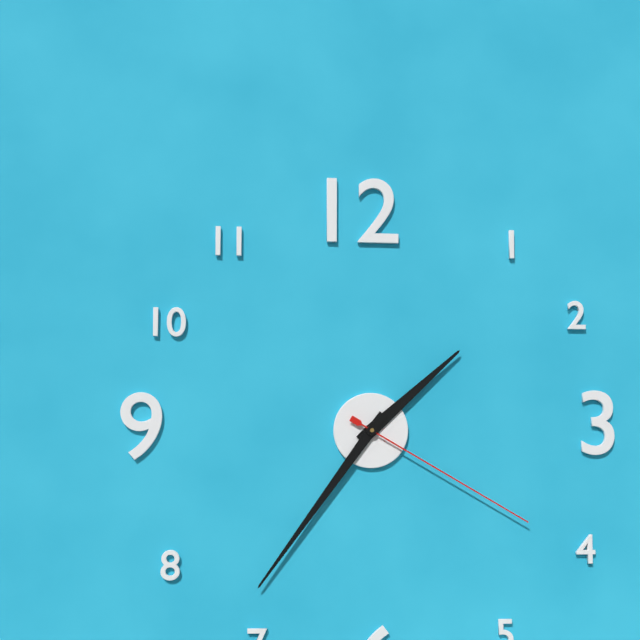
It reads **1:36:20**
